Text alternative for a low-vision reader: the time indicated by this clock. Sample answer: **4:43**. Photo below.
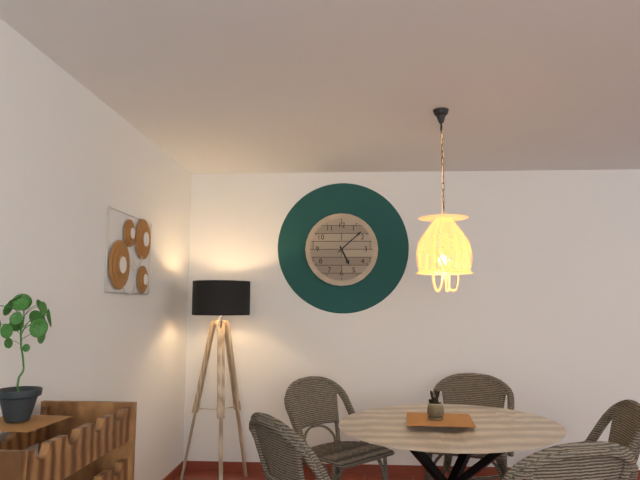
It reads **5:08**
